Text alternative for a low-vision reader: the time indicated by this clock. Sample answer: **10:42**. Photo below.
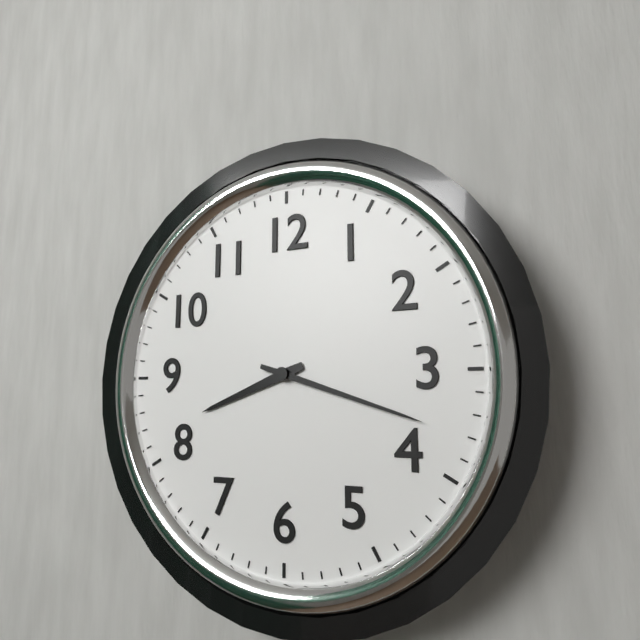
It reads **8:18**
